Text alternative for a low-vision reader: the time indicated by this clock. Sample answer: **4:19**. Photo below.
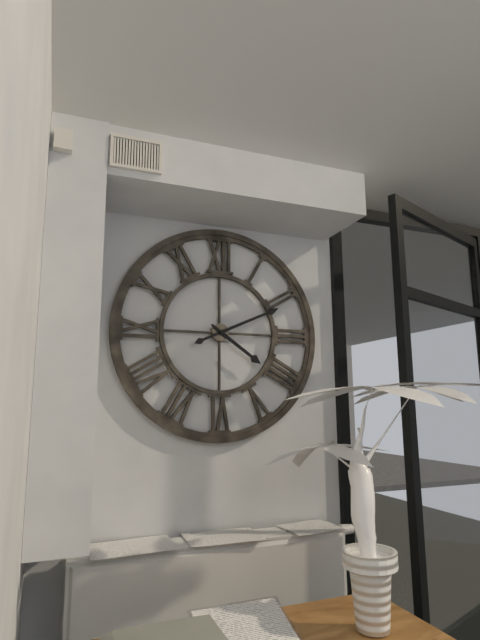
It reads **4:11**
